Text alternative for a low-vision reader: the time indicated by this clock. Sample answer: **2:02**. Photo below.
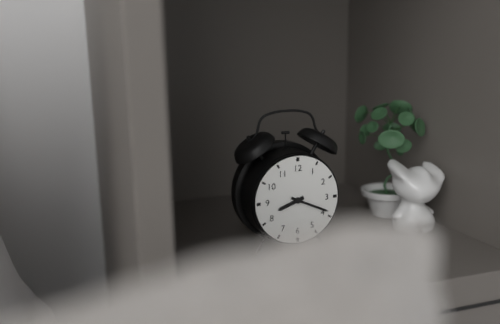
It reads **8:19**
